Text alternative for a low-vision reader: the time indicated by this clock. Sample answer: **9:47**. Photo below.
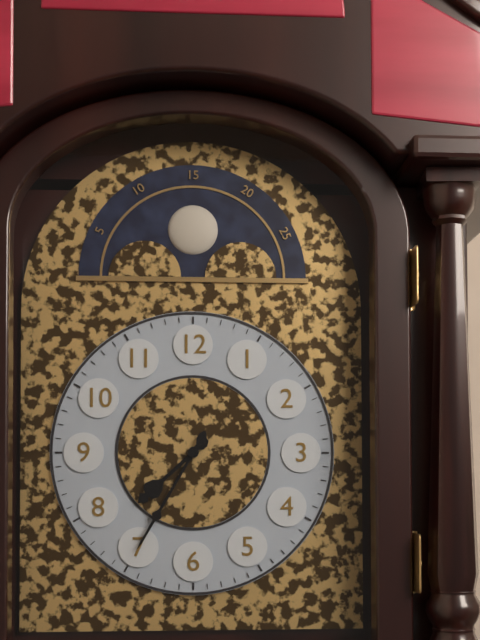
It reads **7:35**
